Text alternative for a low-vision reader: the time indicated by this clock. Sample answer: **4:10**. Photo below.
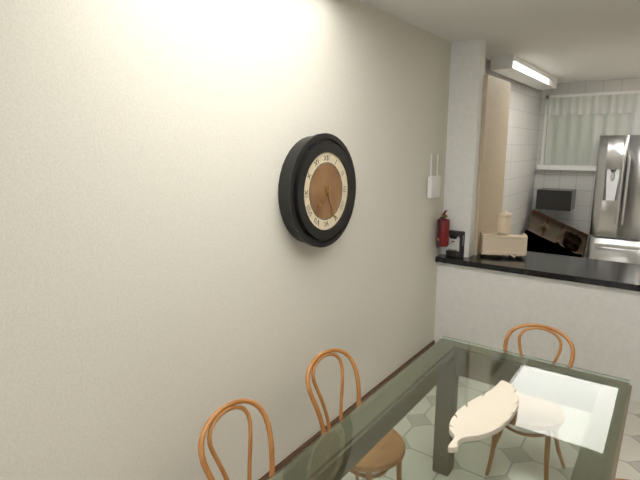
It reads **7:26**
